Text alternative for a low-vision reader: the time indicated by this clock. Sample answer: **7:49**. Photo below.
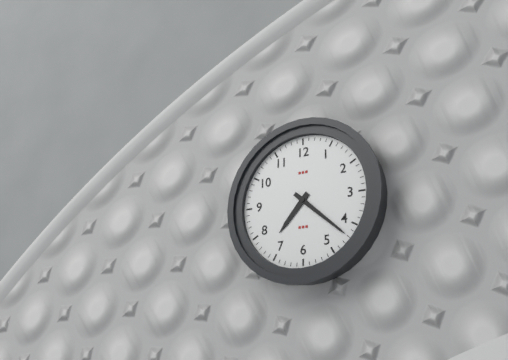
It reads **7:22**
